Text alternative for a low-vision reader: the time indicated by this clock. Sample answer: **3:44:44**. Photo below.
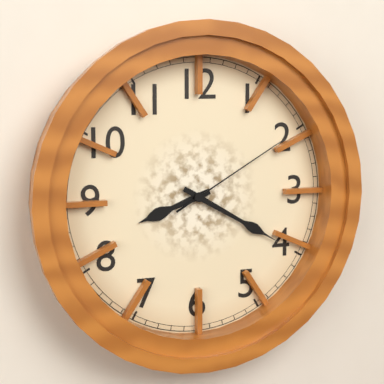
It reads **8:20:10**
